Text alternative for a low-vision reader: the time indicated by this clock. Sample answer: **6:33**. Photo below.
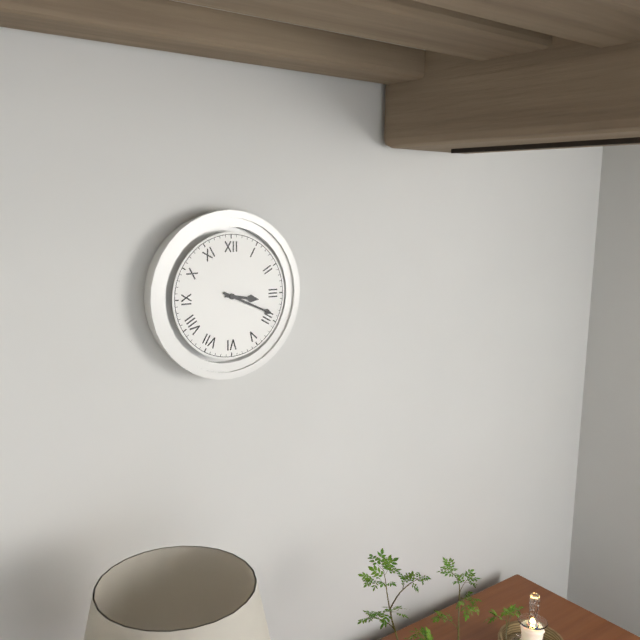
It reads **3:19**
